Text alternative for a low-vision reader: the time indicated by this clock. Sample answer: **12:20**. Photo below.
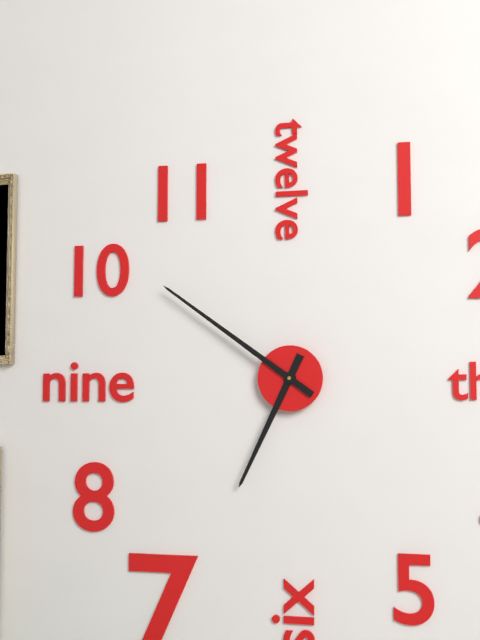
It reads **6:51**
